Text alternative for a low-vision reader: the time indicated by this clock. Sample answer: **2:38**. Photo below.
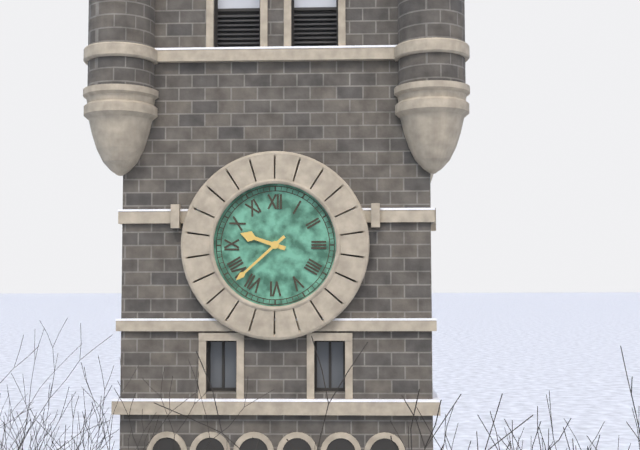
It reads **9:38**
